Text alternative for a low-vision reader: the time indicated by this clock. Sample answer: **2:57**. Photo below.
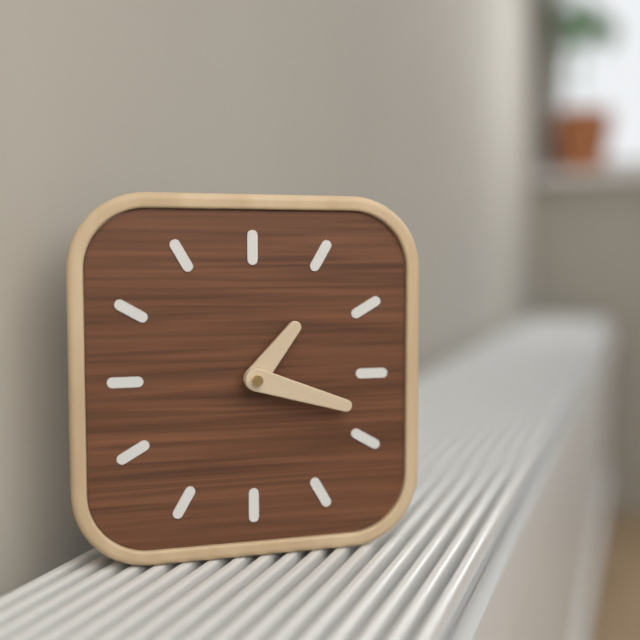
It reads **1:18**
